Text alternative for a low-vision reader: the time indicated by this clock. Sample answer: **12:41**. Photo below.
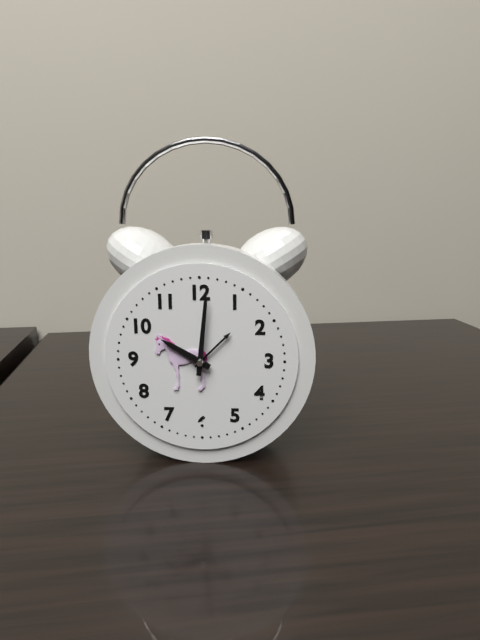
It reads **10:01**
